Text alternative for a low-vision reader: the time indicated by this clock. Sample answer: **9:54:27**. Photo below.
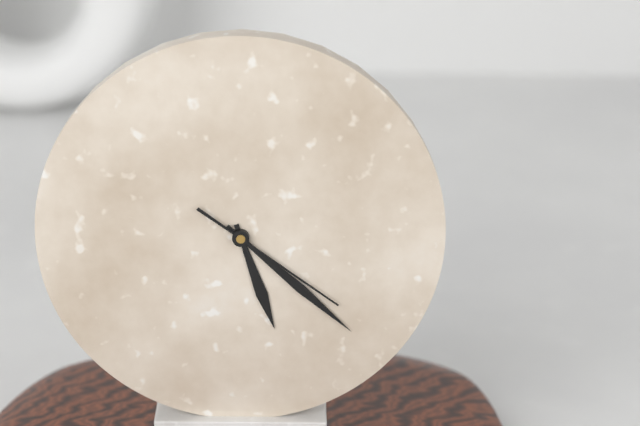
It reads **5:22:21**
